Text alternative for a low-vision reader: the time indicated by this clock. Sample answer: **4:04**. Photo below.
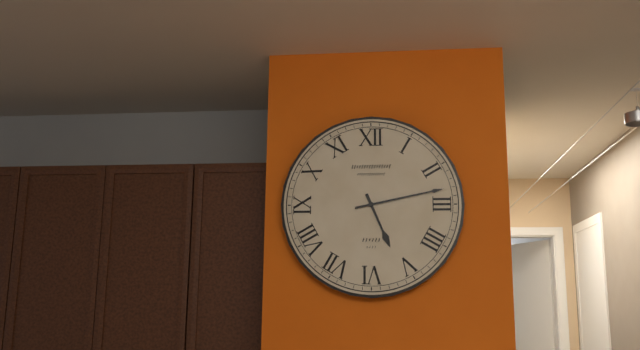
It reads **5:13**
